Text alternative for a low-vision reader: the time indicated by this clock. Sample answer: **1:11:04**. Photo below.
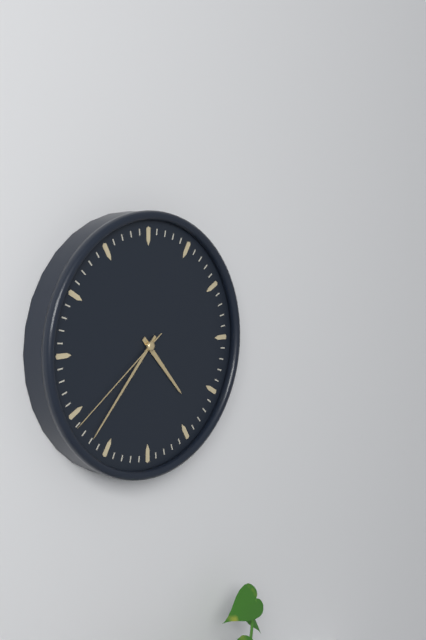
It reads **4:37:39**
